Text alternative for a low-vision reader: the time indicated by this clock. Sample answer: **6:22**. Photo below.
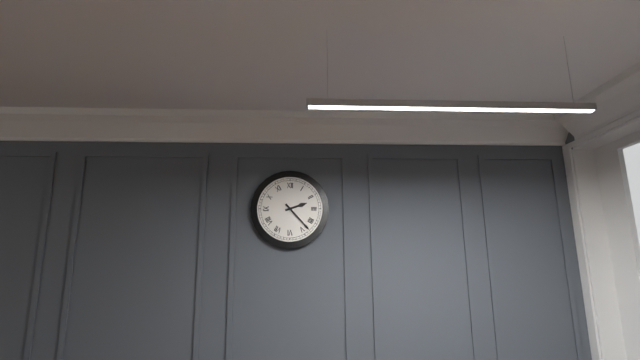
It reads **2:23**
